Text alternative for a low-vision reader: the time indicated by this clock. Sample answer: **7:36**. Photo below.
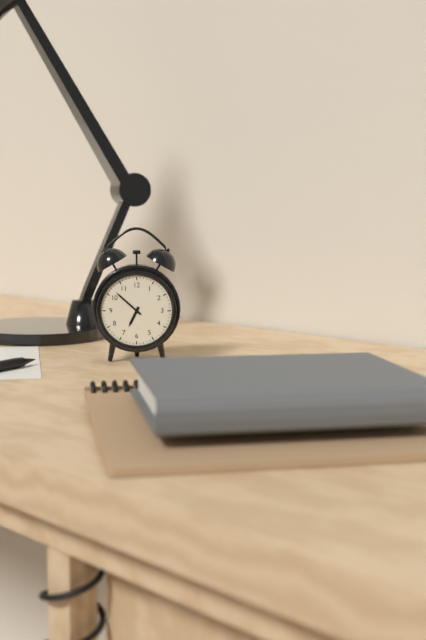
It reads **6:52**
